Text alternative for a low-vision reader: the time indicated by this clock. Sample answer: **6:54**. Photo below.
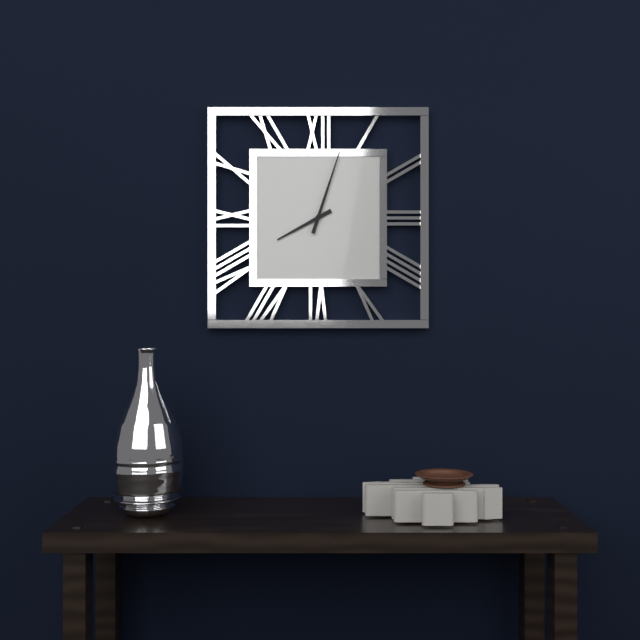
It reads **8:03**
